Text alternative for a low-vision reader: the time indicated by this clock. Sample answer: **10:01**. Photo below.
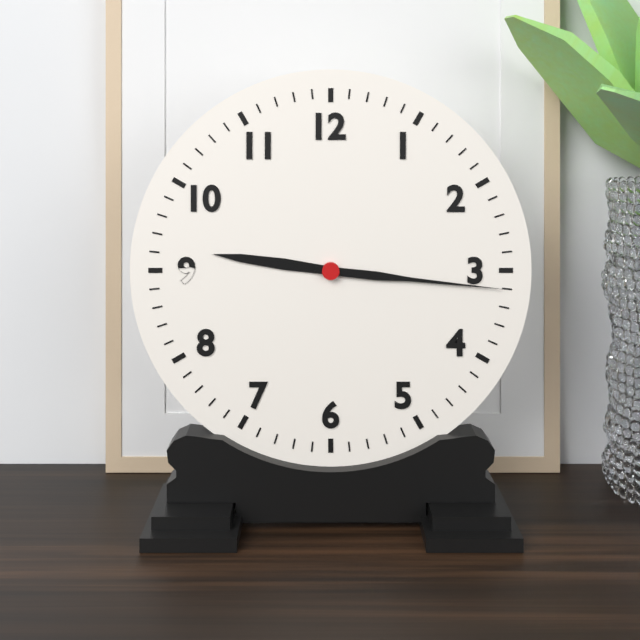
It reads **9:16**
